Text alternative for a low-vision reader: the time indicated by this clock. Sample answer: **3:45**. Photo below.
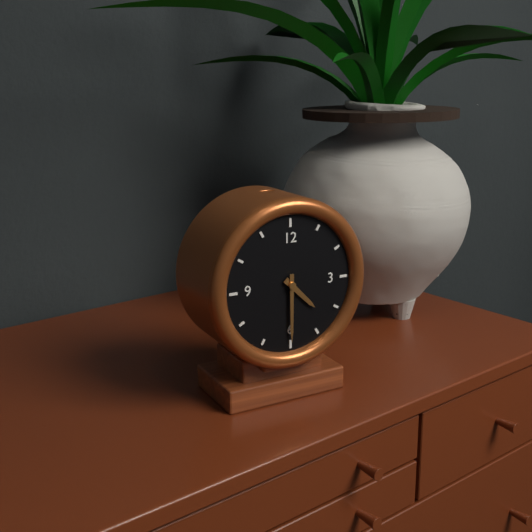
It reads **4:30**
